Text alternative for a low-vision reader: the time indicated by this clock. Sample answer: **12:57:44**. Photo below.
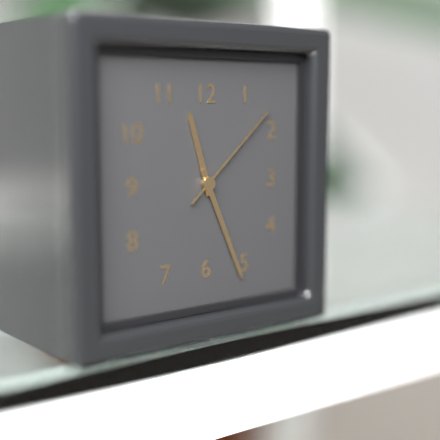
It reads **11:26:08**
